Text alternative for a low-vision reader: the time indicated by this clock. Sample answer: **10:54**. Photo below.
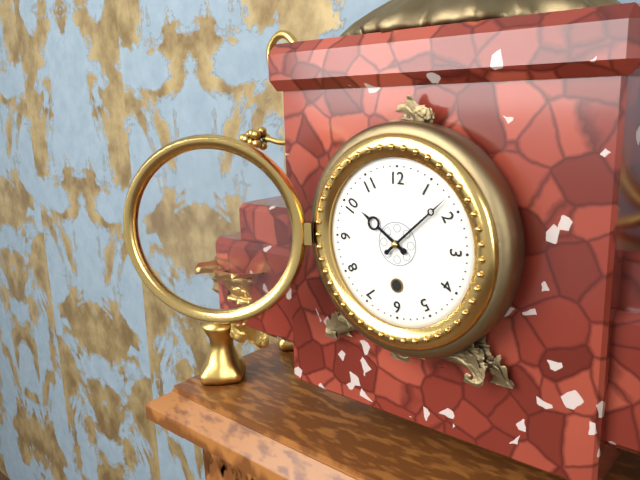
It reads **10:08**
